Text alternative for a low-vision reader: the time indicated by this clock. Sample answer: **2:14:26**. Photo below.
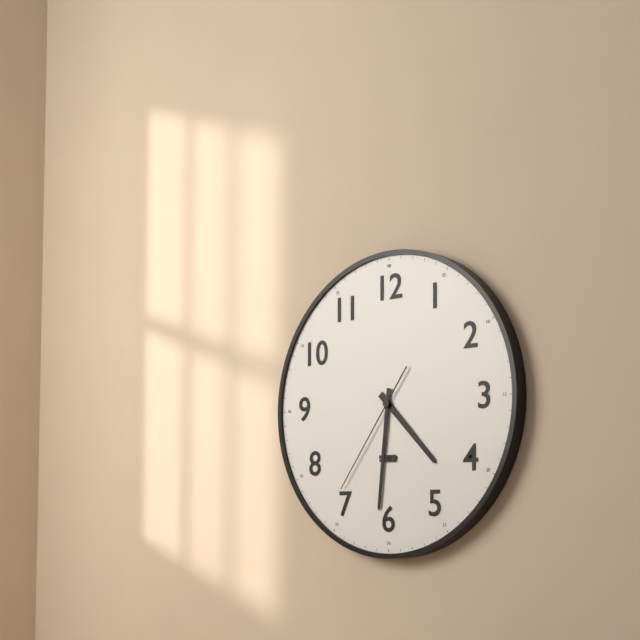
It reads **4:31:36**
